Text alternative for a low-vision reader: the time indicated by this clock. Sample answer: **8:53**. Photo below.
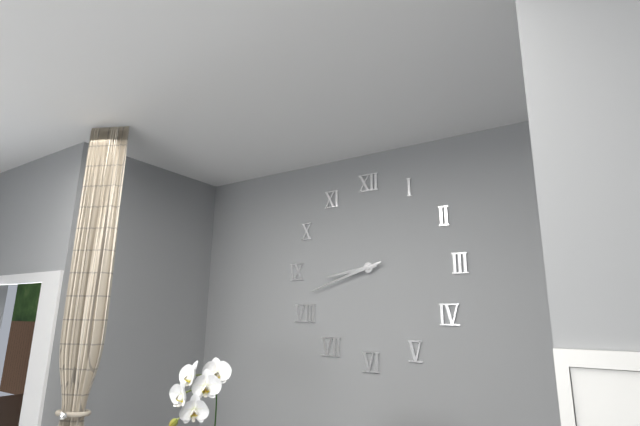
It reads **8:42**
